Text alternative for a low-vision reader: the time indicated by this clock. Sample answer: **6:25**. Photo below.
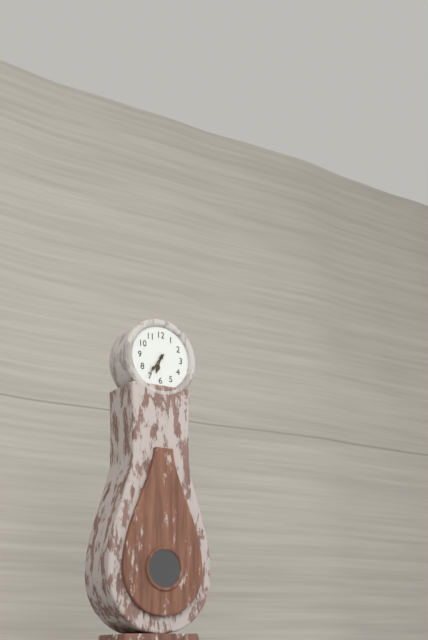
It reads **6:36**
